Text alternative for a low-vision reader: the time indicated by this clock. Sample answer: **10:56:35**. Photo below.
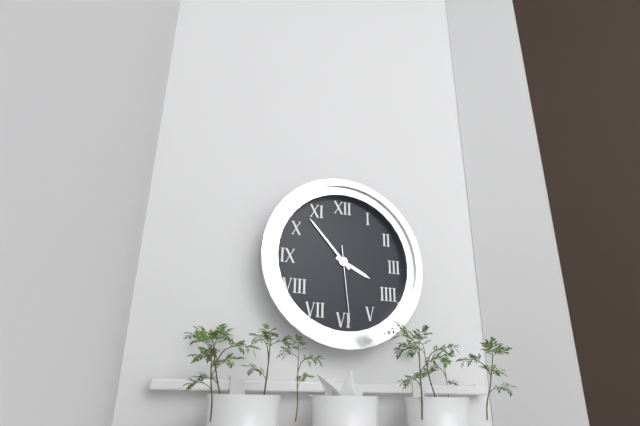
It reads **3:53:29**
